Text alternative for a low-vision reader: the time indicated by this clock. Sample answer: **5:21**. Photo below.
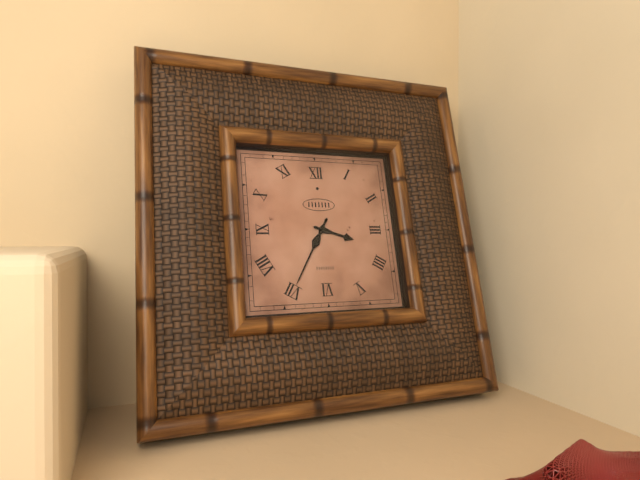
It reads **3:35**
